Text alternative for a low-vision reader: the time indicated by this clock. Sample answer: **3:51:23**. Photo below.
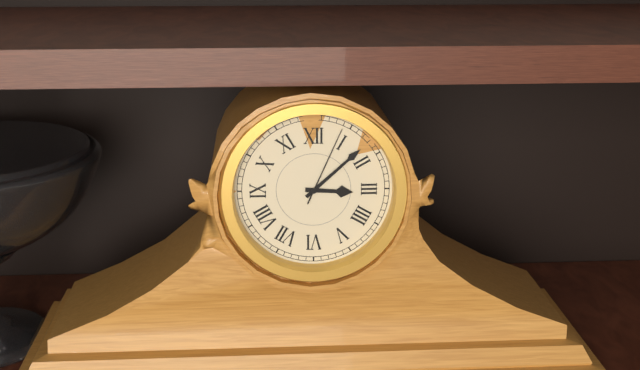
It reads **3:08:04**
